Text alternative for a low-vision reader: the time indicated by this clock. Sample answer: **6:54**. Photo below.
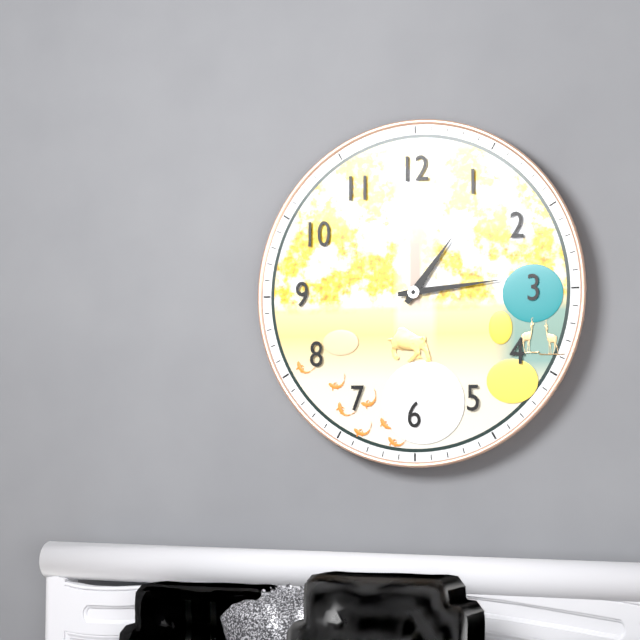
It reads **1:14**
